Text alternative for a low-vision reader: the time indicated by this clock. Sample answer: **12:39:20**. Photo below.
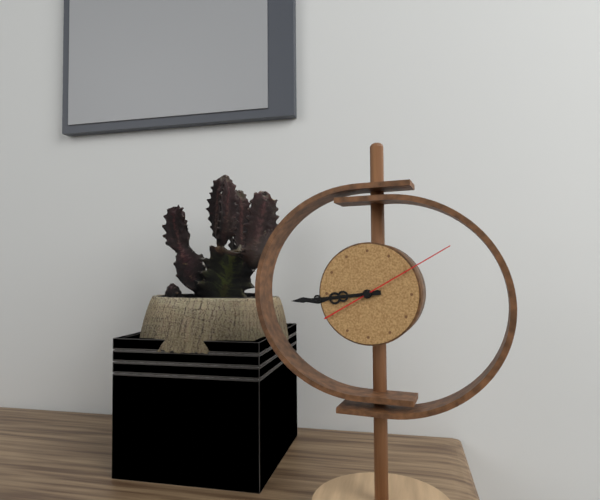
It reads **8:44:10**
